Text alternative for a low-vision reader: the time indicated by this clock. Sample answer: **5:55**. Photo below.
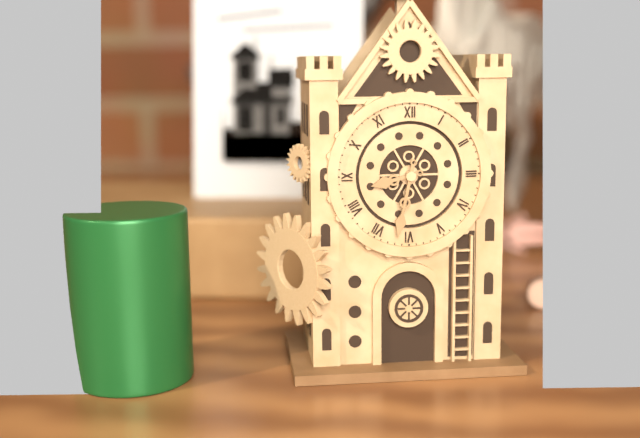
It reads **8:32**
